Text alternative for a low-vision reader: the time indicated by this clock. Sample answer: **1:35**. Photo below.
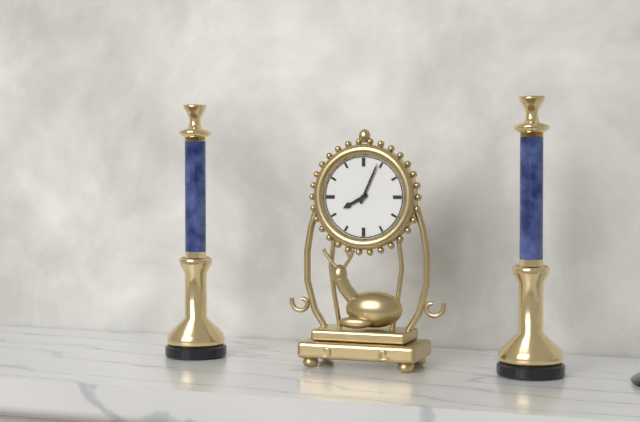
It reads **8:04**
